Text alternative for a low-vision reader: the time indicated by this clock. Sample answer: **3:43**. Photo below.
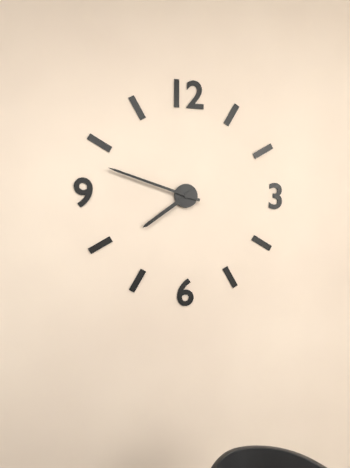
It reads **7:48**
